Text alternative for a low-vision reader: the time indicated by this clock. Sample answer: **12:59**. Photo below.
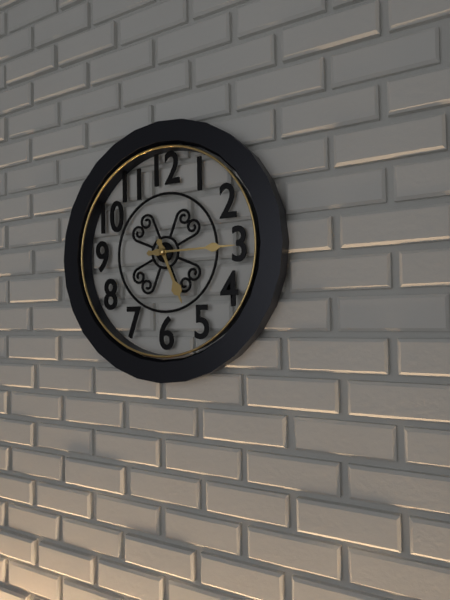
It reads **5:15**
